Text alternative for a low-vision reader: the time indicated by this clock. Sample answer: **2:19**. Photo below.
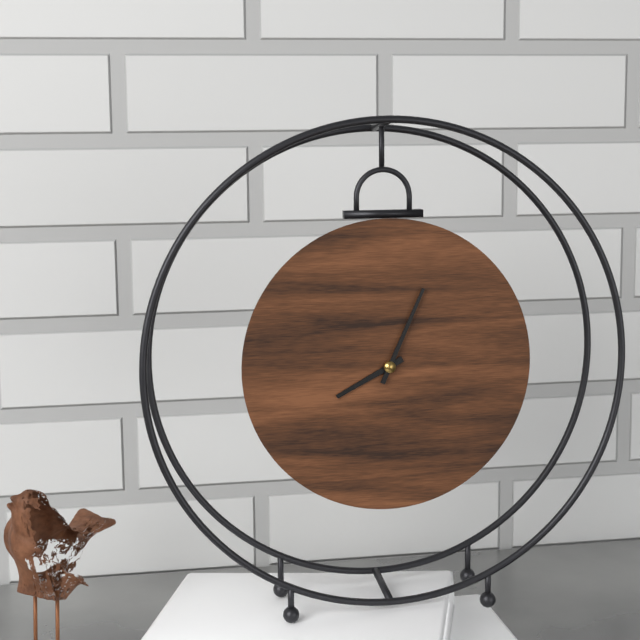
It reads **8:04**
